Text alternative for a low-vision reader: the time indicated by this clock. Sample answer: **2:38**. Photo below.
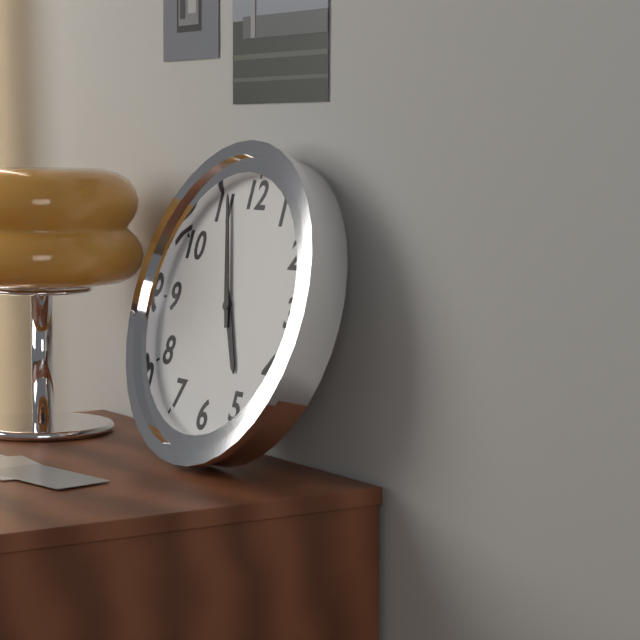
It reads **4:56**
